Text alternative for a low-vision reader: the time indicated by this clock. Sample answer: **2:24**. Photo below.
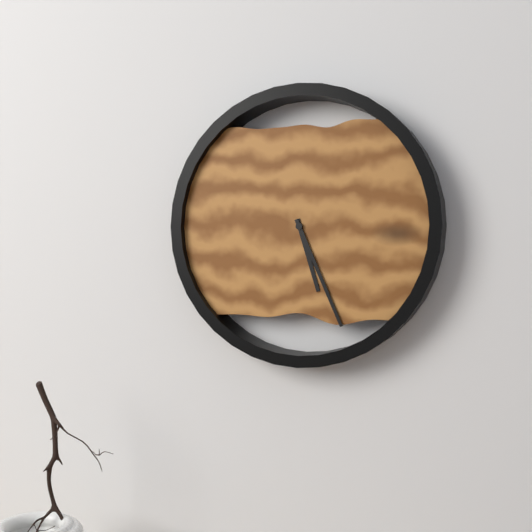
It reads **5:26**
